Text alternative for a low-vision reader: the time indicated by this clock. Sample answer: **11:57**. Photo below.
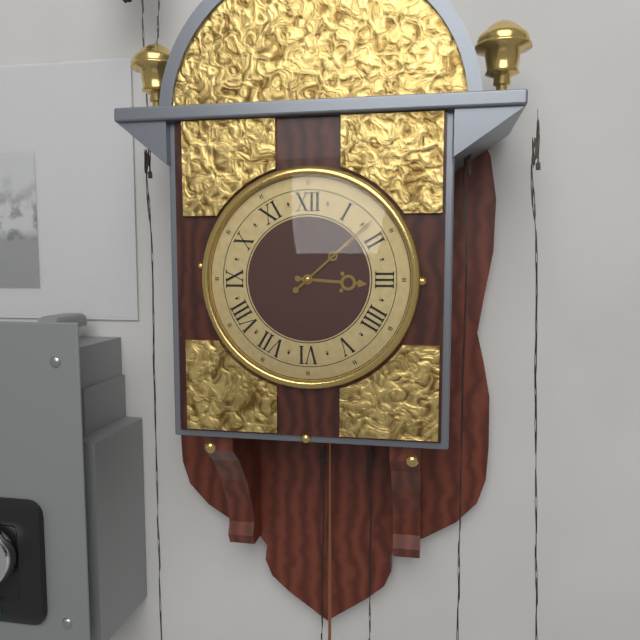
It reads **3:08**
